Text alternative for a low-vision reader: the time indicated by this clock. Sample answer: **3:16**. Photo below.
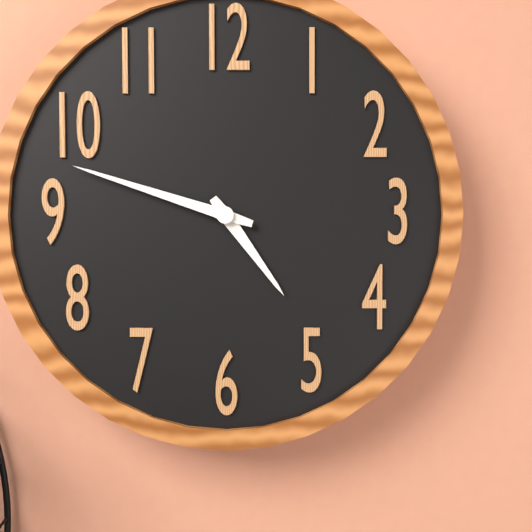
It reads **4:48**
